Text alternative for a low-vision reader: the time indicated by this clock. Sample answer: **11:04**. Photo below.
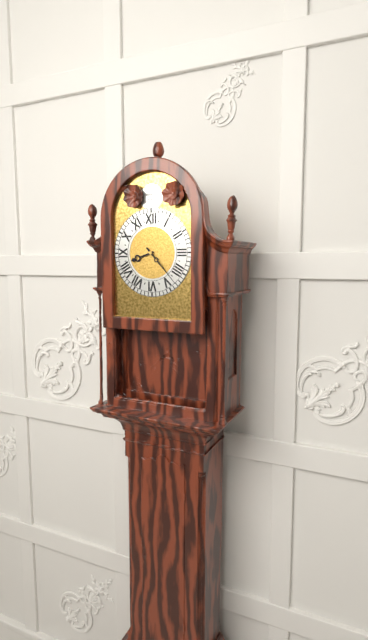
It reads **8:23**
